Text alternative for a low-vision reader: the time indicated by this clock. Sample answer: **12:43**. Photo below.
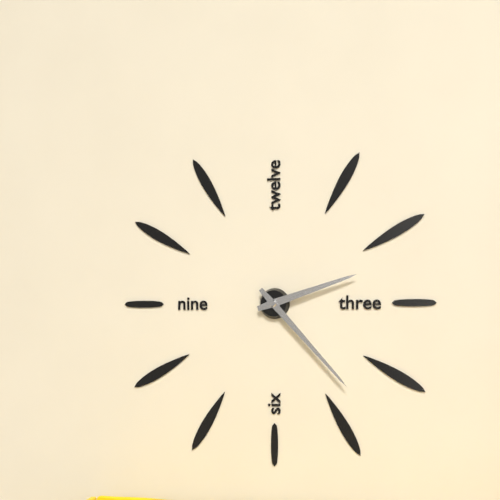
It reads **2:23**
